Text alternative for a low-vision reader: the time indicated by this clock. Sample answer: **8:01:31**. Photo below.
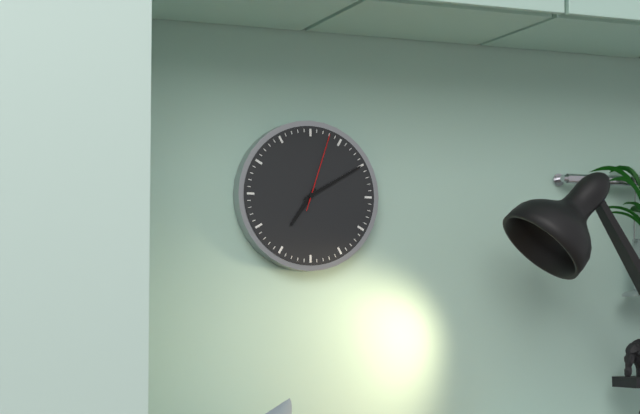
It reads **7:10:03**
